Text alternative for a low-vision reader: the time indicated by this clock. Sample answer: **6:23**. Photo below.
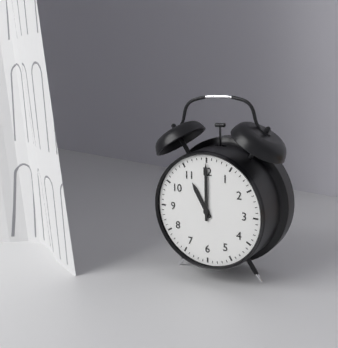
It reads **11:00**
